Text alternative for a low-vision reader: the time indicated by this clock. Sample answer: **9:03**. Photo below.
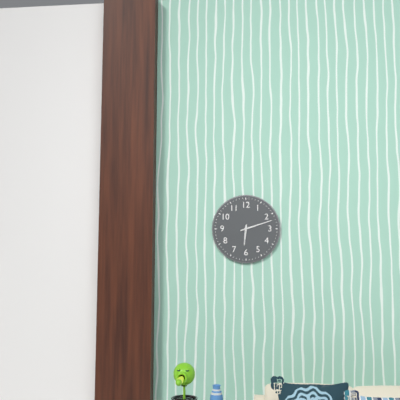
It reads **6:12**
